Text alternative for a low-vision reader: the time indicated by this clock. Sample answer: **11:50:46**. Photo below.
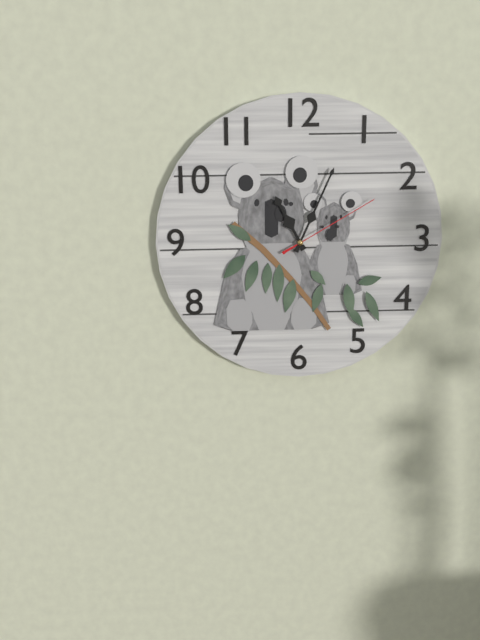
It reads **11:04:10**
